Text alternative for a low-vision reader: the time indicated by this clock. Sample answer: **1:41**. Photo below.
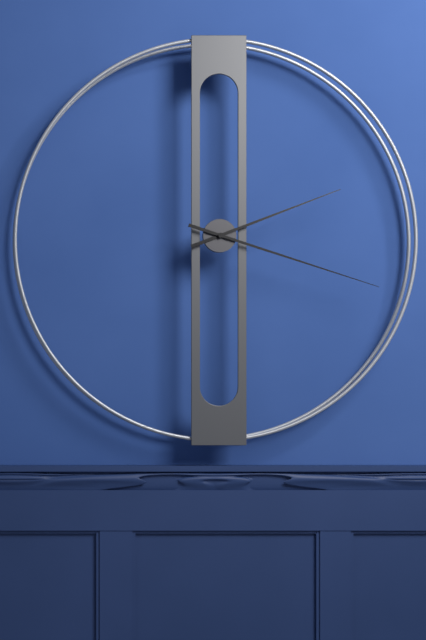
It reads **2:18**
